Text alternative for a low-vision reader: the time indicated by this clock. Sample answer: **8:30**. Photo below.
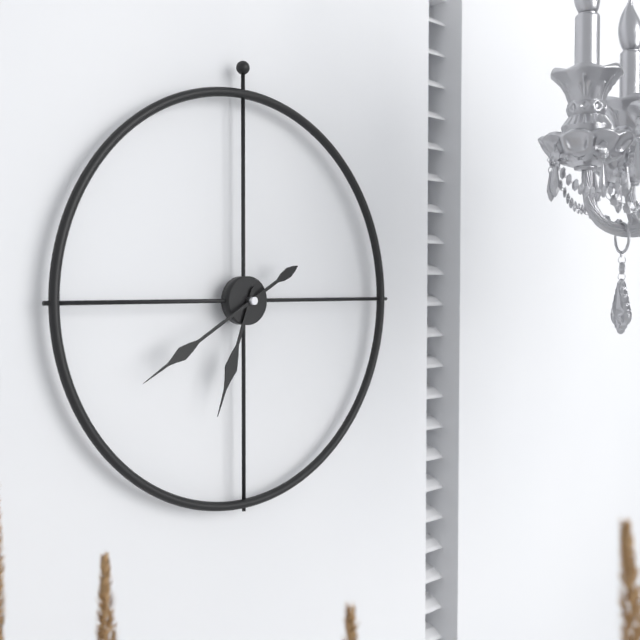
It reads **6:40**
